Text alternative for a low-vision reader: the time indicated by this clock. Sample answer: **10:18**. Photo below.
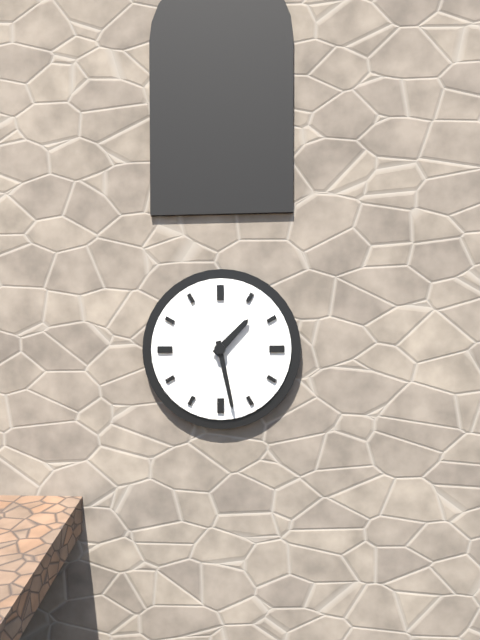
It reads **1:28**
